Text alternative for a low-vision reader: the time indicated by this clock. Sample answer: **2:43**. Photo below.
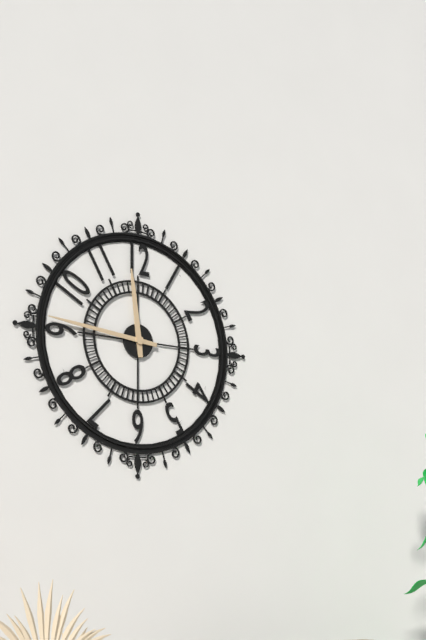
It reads **11:46**
